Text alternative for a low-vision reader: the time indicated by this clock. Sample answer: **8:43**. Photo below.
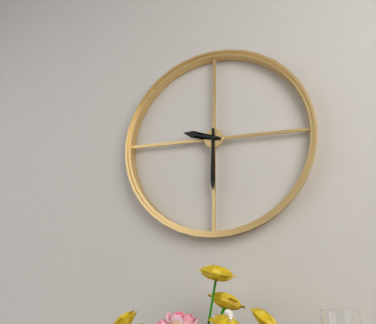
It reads **9:30**
